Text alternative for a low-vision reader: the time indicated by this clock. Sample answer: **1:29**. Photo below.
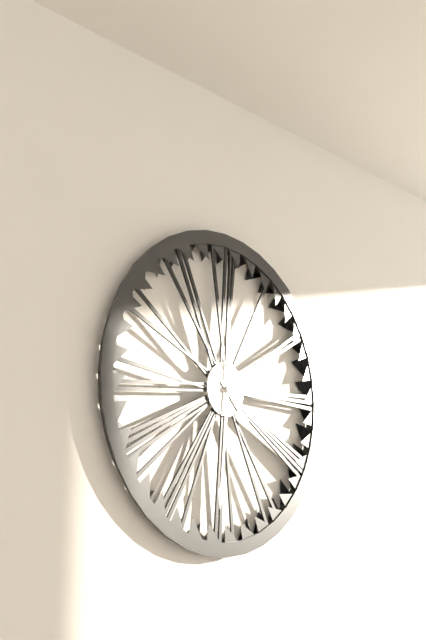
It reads **4:31**
